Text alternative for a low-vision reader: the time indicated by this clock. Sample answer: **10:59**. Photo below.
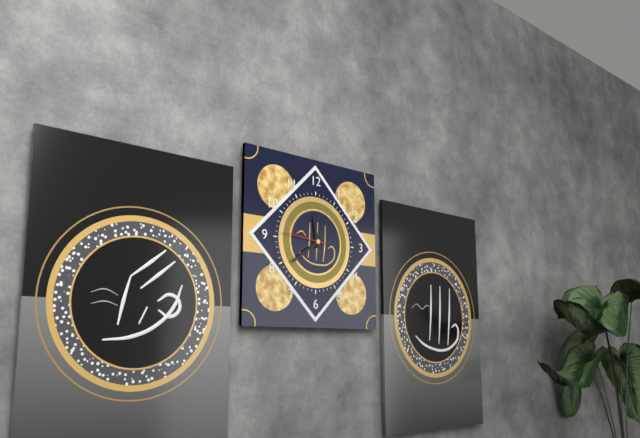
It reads **11:39**
